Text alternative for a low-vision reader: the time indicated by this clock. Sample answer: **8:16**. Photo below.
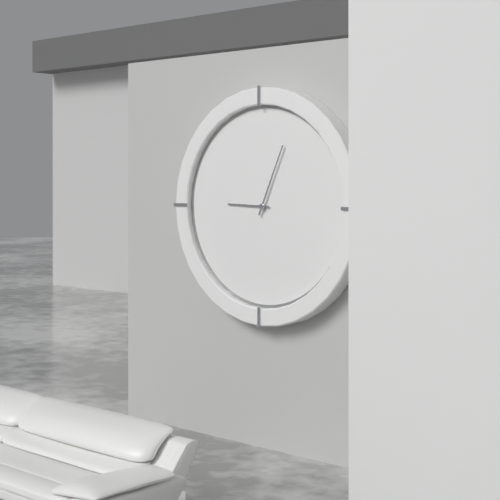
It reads **9:04**
